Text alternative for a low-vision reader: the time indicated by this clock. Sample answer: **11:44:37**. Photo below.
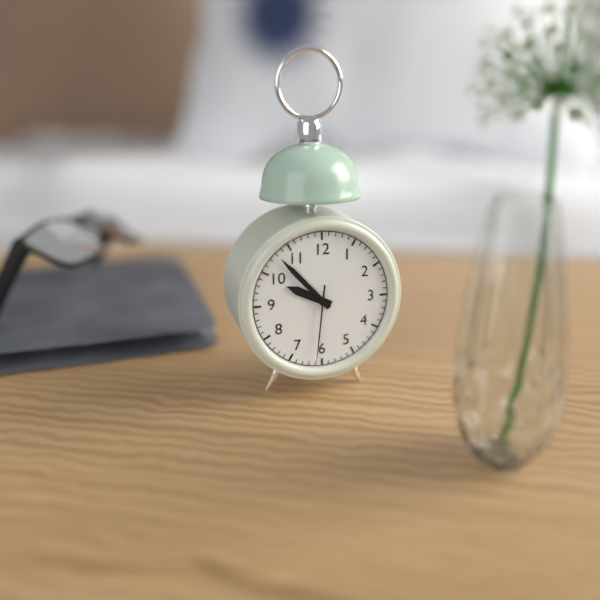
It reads **9:53:31**
